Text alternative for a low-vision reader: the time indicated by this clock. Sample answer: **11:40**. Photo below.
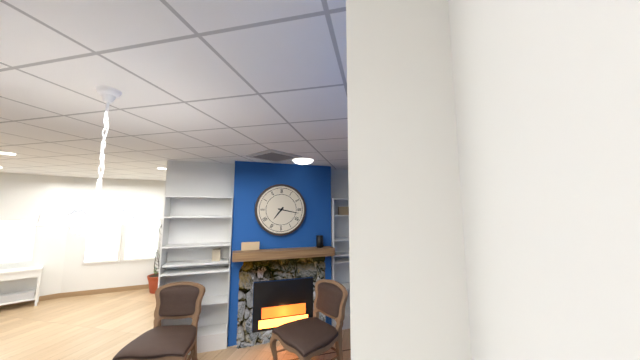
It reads **7:17**
